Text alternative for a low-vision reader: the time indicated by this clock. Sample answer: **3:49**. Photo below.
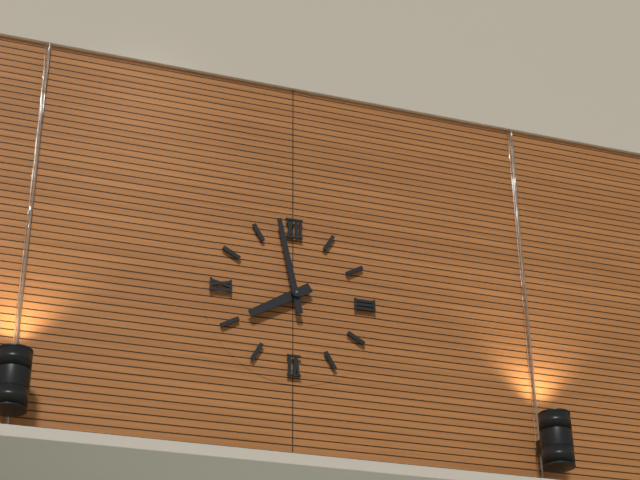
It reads **7:58**
